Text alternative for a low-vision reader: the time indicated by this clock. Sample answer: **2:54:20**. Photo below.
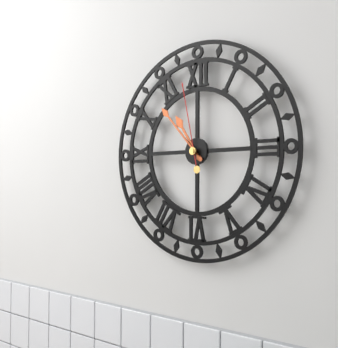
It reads **10:53:58**
